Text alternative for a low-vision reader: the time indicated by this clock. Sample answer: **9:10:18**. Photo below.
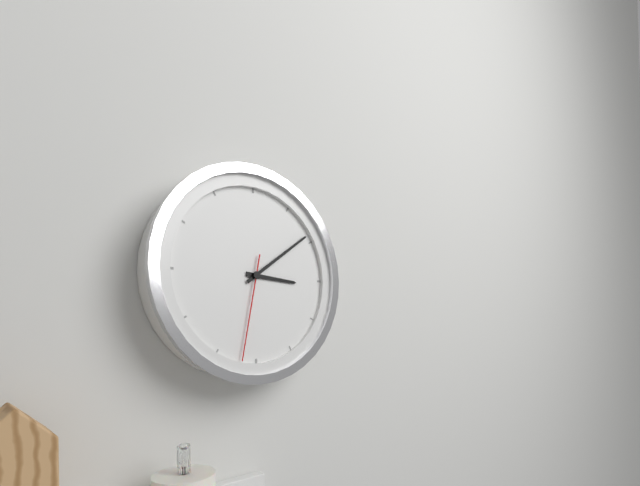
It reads **3:09:32**
